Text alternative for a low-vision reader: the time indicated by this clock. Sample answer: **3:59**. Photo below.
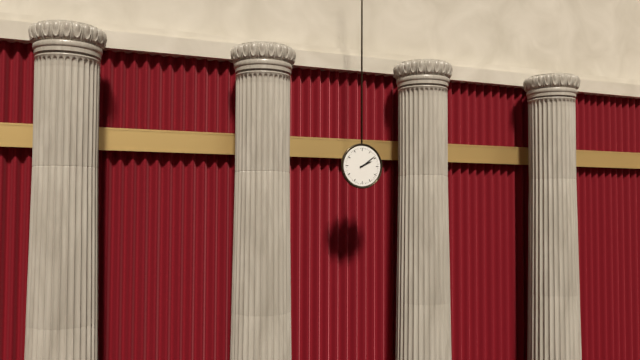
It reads **2:09**
